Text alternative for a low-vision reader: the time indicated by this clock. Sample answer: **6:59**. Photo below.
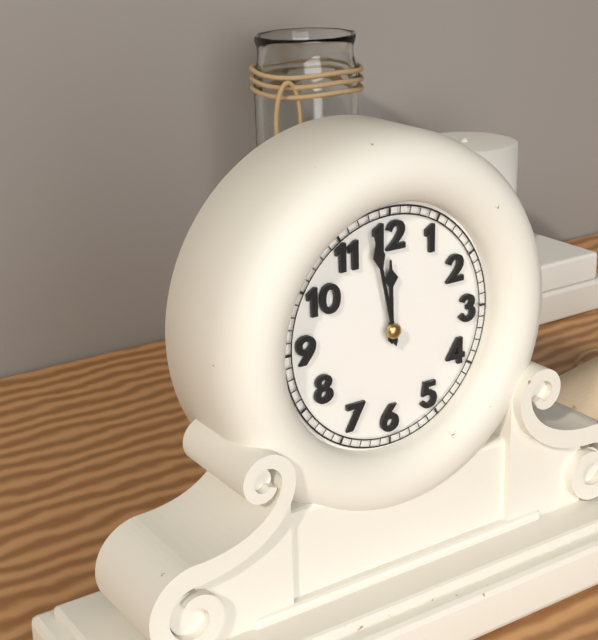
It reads **11:58**
